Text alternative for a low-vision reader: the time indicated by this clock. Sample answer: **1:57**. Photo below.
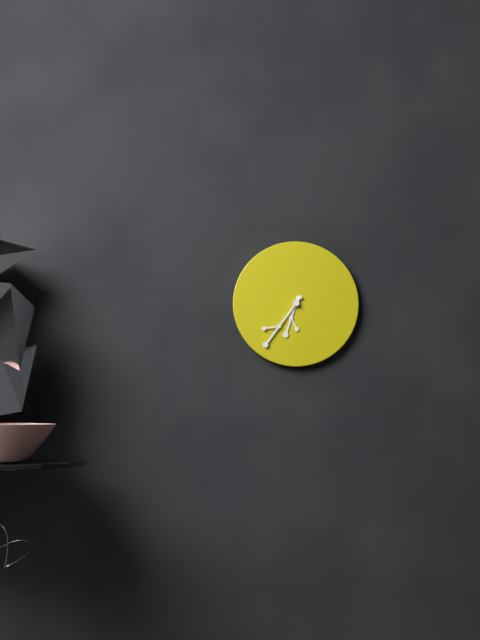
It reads **6:36**
